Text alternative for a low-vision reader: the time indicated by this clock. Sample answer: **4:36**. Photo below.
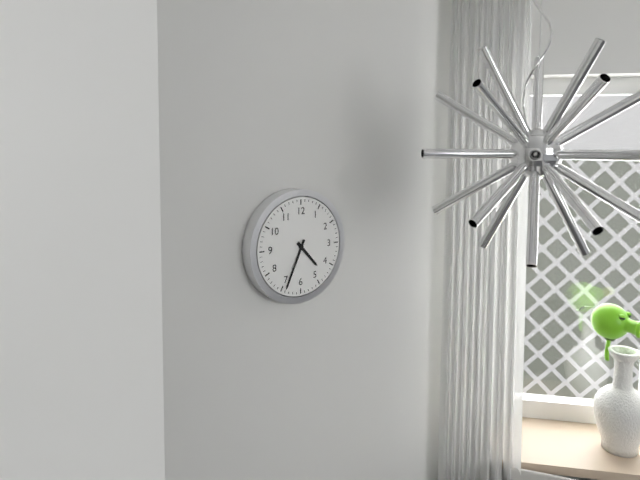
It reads **4:34**
